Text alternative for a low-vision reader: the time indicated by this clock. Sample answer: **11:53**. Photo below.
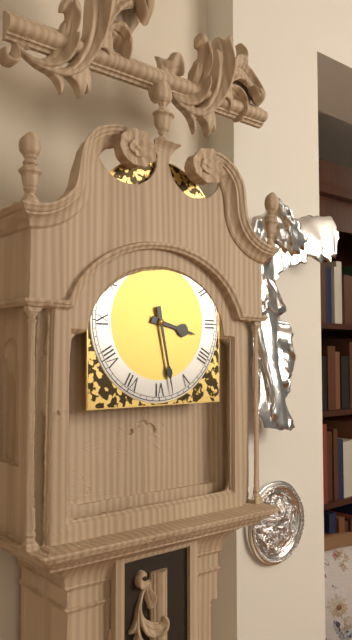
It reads **3:28**
